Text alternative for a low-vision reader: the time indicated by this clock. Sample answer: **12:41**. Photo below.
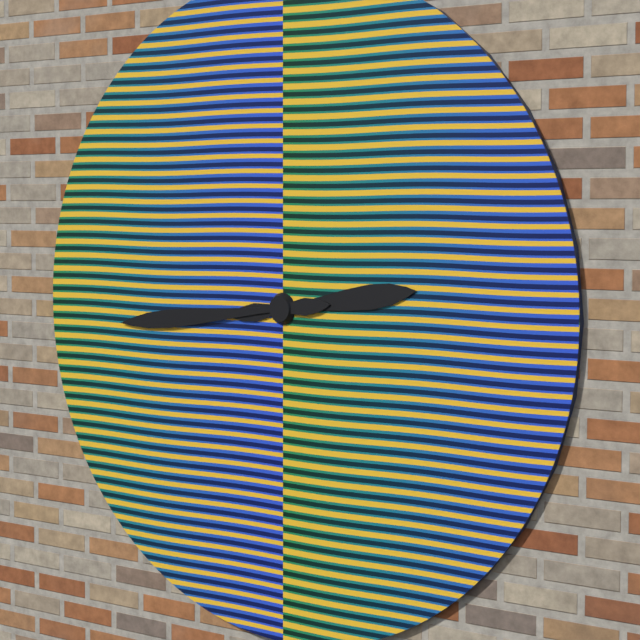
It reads **2:44**
